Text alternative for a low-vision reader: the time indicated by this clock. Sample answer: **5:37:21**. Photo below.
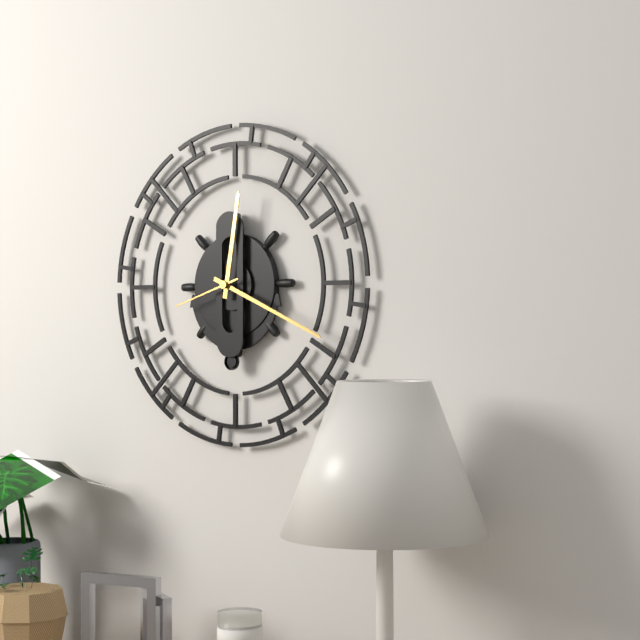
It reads **12:19:42**
